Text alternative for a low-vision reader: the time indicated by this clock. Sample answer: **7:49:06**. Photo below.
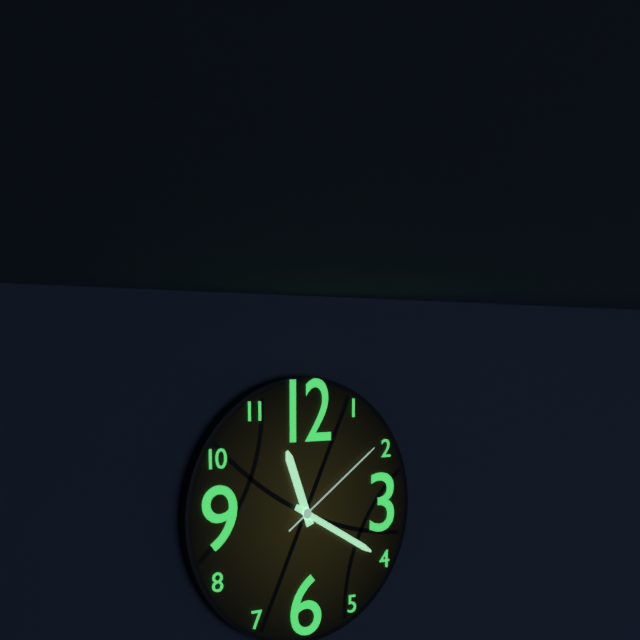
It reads **11:20:09**
